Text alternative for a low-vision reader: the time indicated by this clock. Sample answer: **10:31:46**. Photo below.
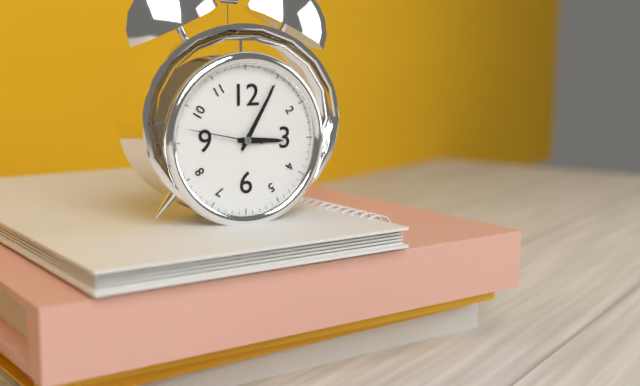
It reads **3:05:47**
